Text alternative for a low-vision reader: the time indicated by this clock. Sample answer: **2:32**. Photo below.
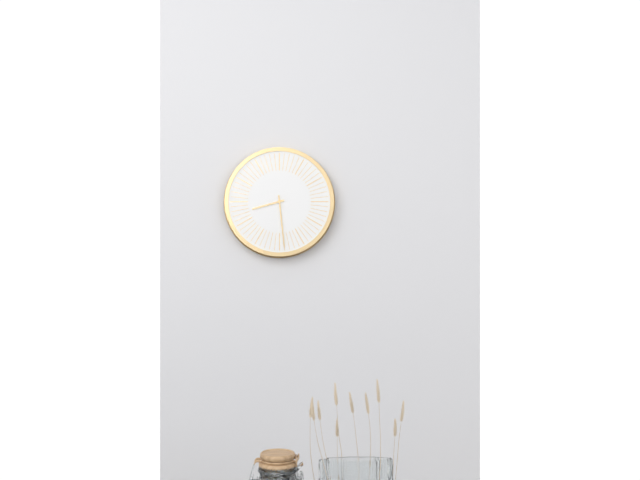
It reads **8:29**
